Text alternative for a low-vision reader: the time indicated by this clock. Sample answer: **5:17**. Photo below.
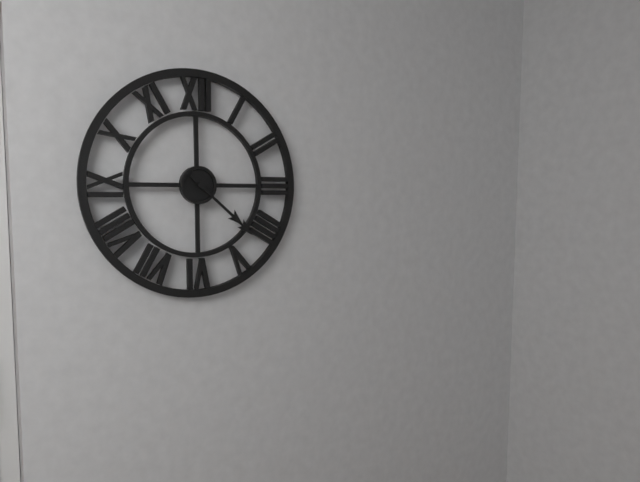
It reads **4:22**
